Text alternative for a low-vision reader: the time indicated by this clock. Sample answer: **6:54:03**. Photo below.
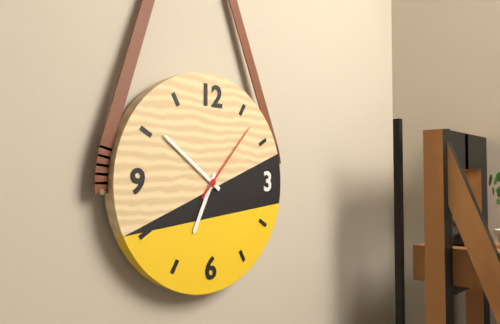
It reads **6:51:07**
